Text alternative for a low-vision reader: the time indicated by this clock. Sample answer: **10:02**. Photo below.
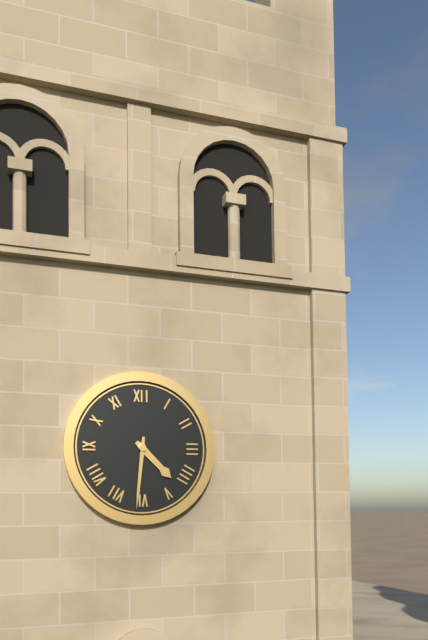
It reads **4:31**
